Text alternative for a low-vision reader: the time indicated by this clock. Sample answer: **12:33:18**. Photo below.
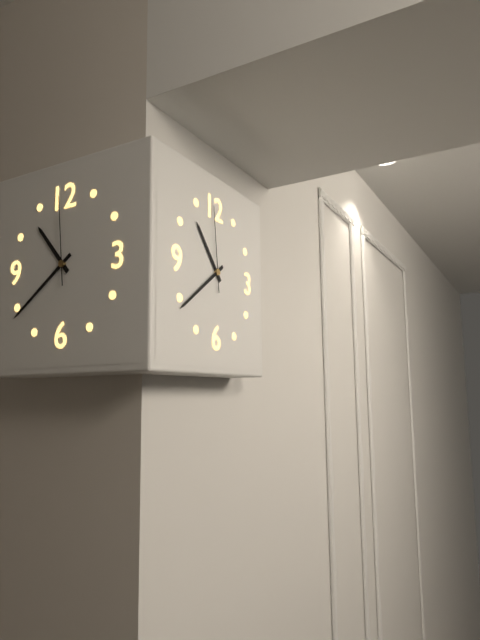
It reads **10:39:59**
